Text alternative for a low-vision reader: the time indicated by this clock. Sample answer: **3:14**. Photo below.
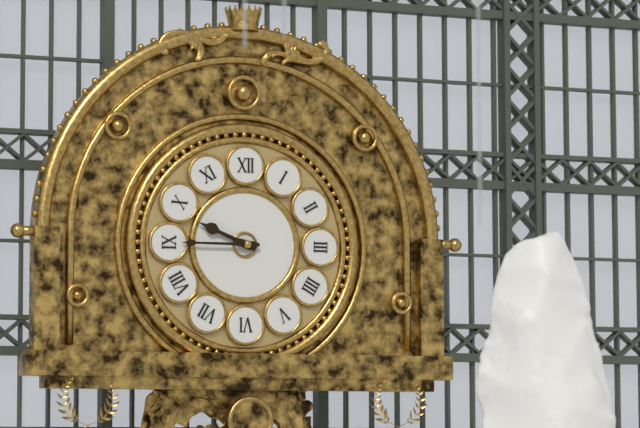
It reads **9:45**
